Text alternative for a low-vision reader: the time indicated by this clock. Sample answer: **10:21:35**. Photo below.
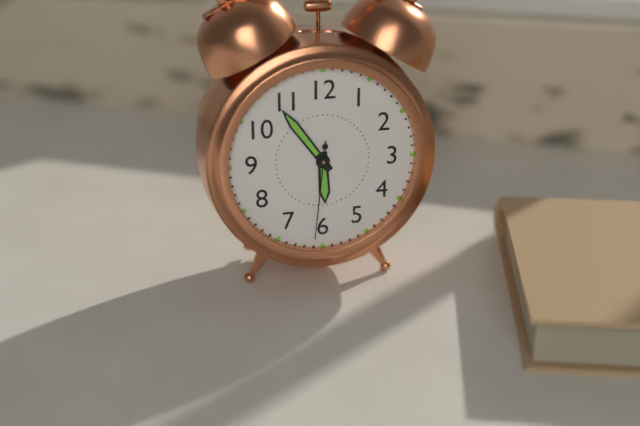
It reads **5:54:31**
